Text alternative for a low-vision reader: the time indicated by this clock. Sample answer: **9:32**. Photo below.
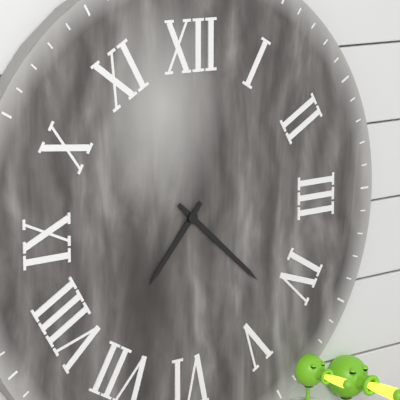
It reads **7:22**
